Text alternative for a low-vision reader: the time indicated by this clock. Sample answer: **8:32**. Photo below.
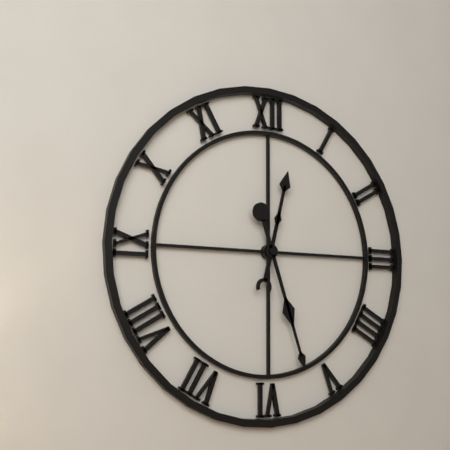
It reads **12:27**
